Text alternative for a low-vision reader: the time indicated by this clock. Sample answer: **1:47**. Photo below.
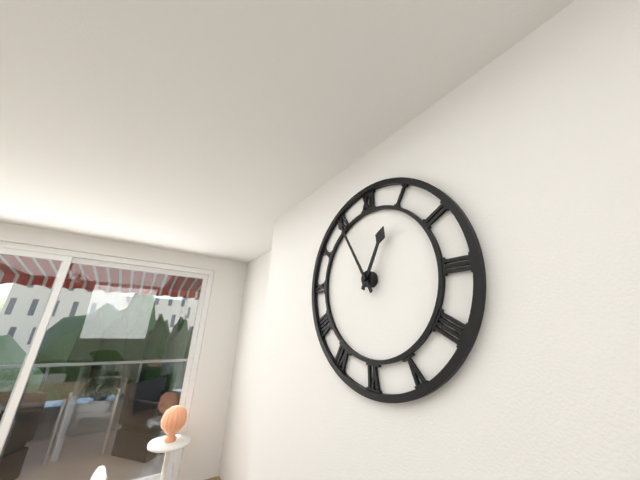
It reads **12:55**
